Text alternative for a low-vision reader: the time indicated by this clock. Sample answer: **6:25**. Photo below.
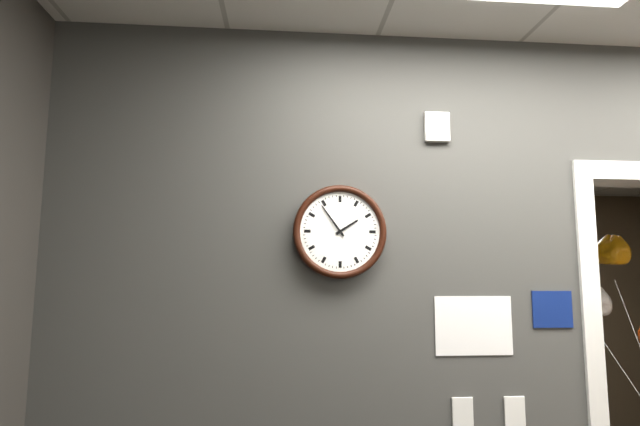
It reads **1:54**
